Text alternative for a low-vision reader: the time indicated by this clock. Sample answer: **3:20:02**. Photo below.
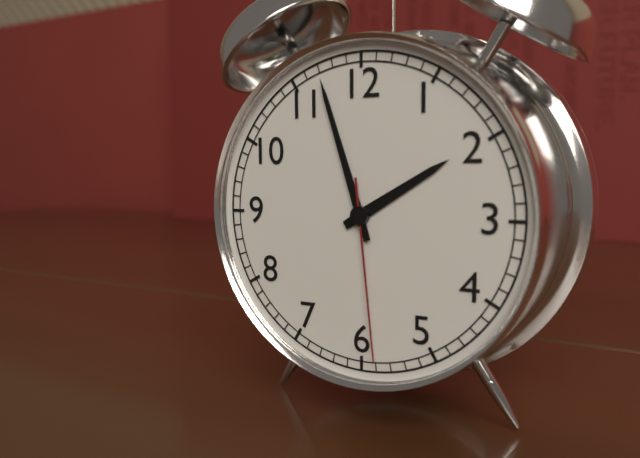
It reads **1:57:29**
